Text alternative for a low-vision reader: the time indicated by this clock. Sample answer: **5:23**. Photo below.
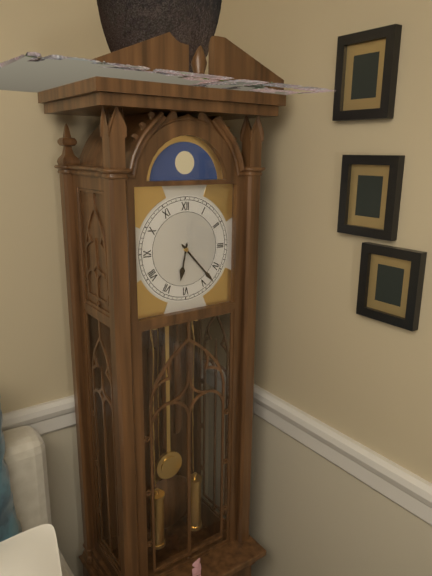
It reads **6:23**
